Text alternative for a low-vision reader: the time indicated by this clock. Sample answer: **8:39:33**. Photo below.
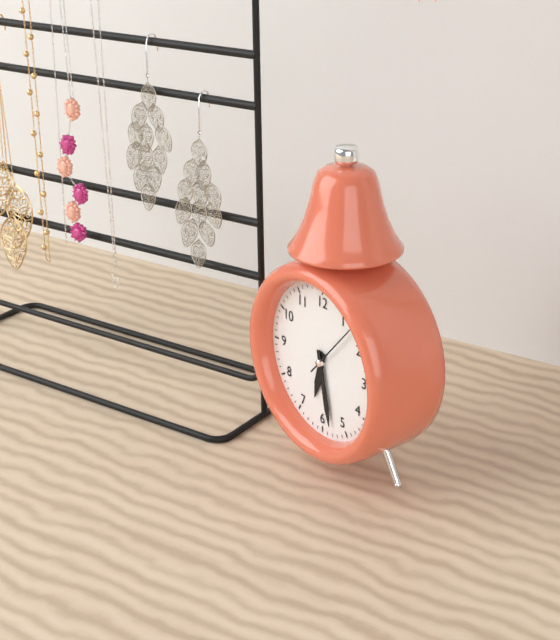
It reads **6:28:07**
